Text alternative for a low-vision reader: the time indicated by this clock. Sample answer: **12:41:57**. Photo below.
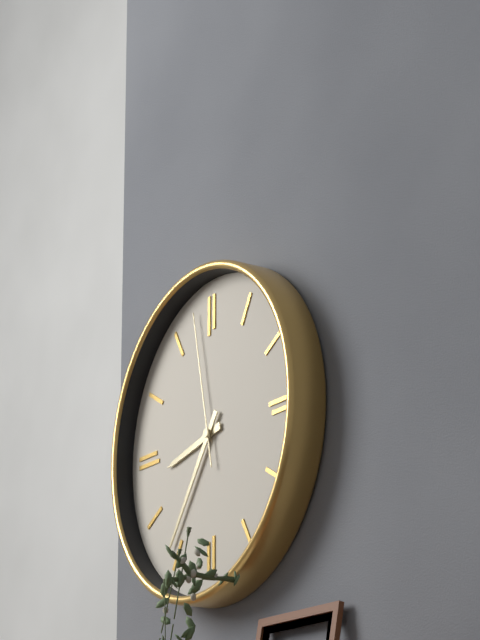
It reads **8:36:58**
